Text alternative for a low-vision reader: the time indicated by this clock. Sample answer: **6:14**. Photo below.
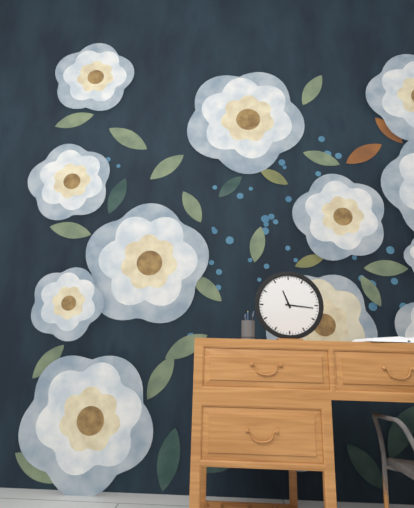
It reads **11:16**
